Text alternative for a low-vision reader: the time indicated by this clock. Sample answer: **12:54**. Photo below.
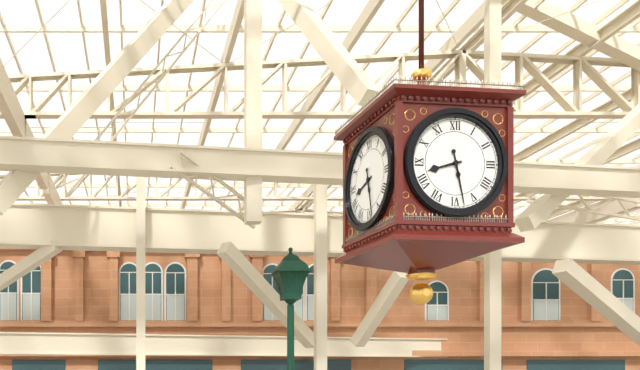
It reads **8:28**
